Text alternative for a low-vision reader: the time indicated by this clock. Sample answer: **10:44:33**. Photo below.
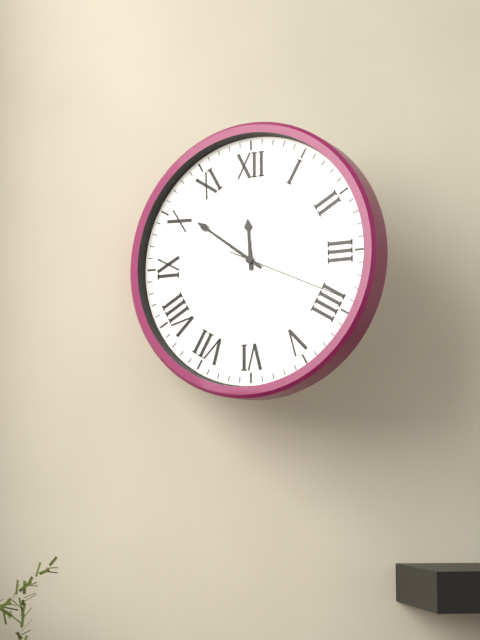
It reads **11:51:19**
